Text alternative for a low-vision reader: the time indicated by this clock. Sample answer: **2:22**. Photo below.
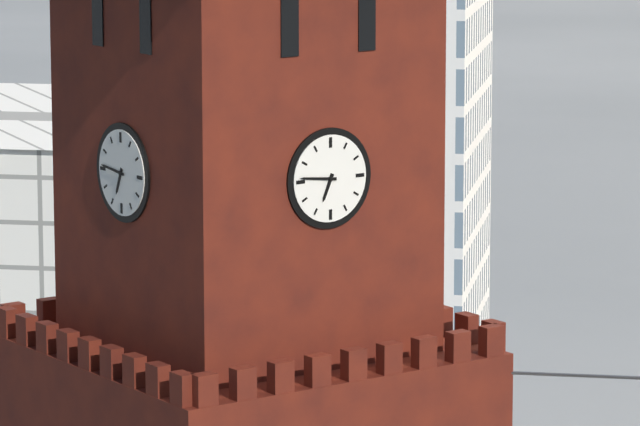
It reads **6:46**
